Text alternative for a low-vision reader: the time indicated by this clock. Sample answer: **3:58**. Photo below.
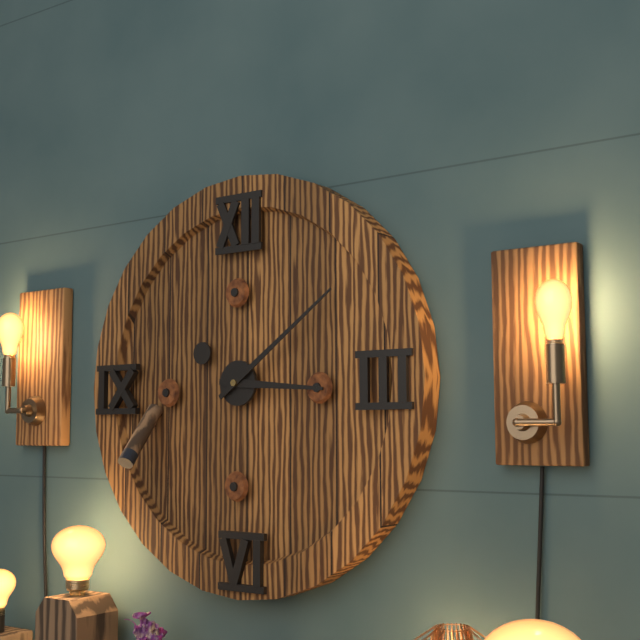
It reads **3:09**
